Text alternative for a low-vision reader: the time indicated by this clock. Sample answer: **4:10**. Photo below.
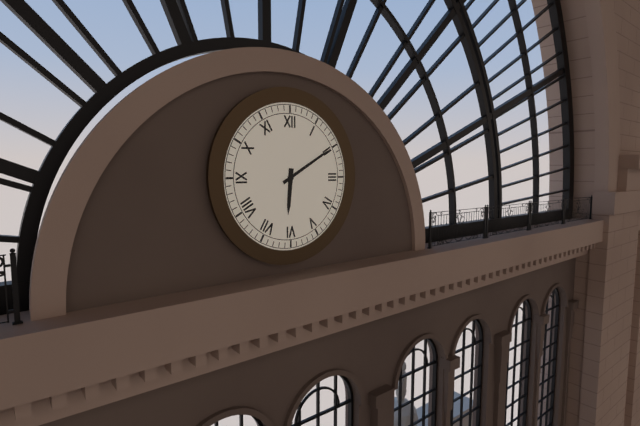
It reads **6:10**
